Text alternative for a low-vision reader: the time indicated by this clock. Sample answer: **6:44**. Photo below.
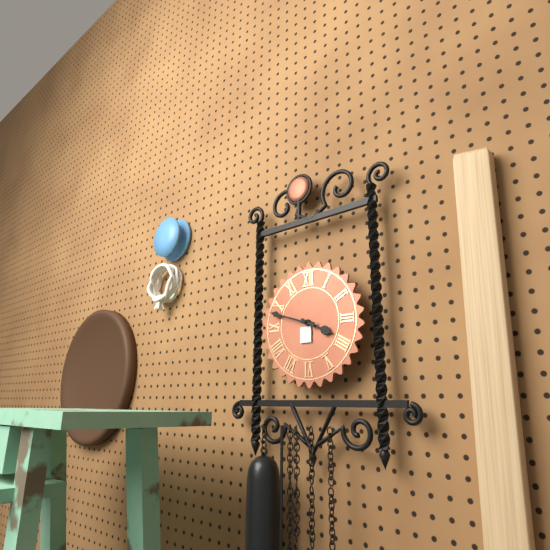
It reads **3:48**
